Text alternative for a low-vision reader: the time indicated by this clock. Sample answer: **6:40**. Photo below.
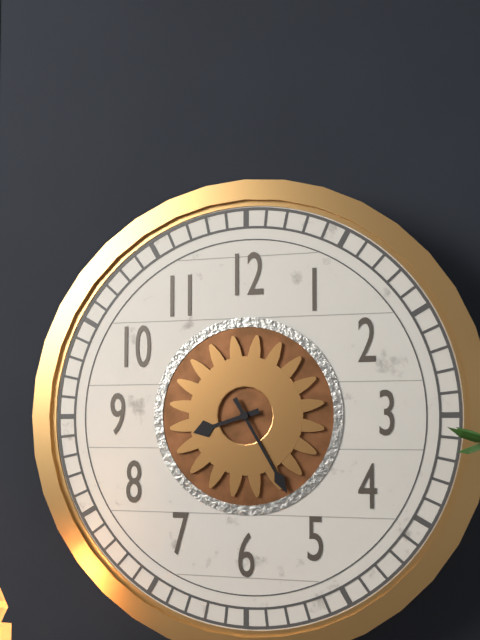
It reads **8:25**
